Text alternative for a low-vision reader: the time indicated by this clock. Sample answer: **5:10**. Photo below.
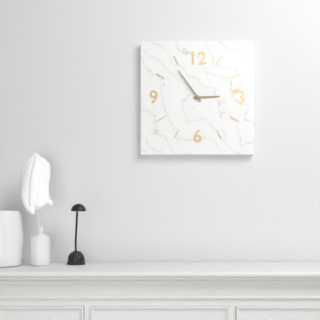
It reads **2:54**
